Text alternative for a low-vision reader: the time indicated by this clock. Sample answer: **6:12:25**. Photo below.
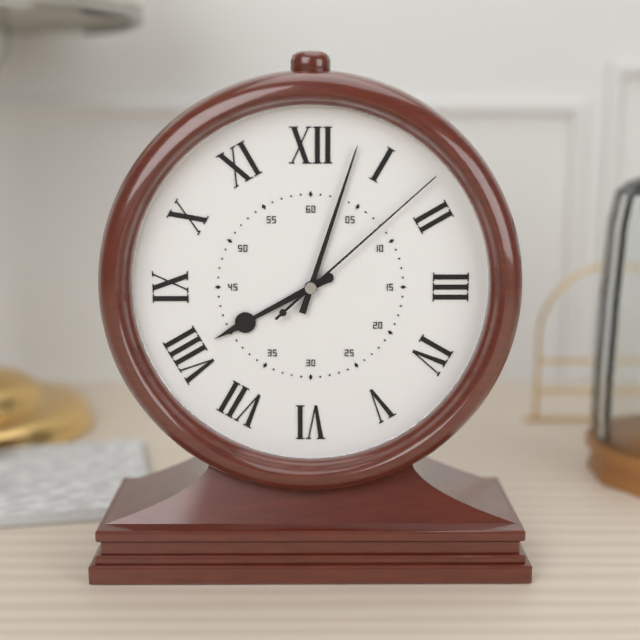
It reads **8:03:08**
